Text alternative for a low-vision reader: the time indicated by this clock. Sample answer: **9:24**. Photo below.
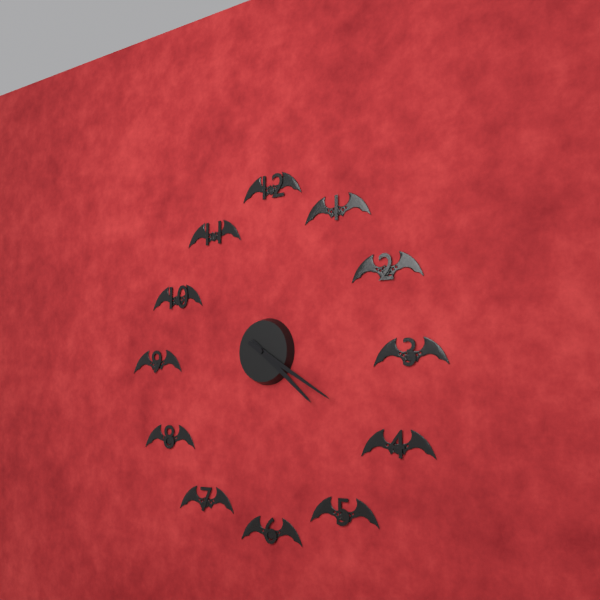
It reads **4:20**
